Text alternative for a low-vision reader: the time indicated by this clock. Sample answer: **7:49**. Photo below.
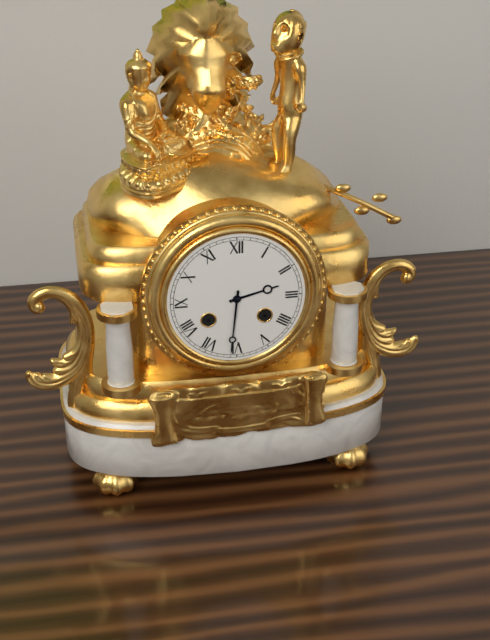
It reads **2:31**
